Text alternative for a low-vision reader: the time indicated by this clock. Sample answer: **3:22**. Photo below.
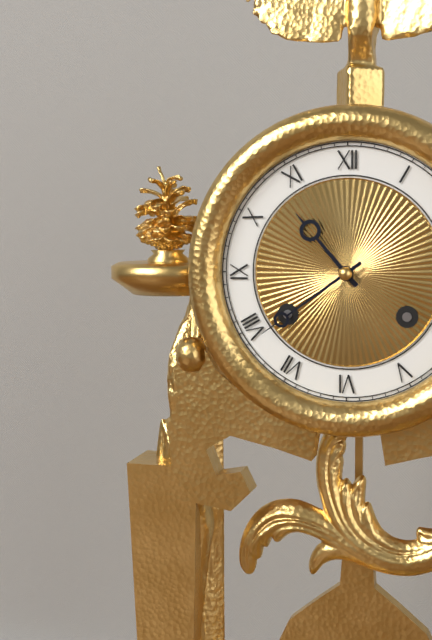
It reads **10:39**
